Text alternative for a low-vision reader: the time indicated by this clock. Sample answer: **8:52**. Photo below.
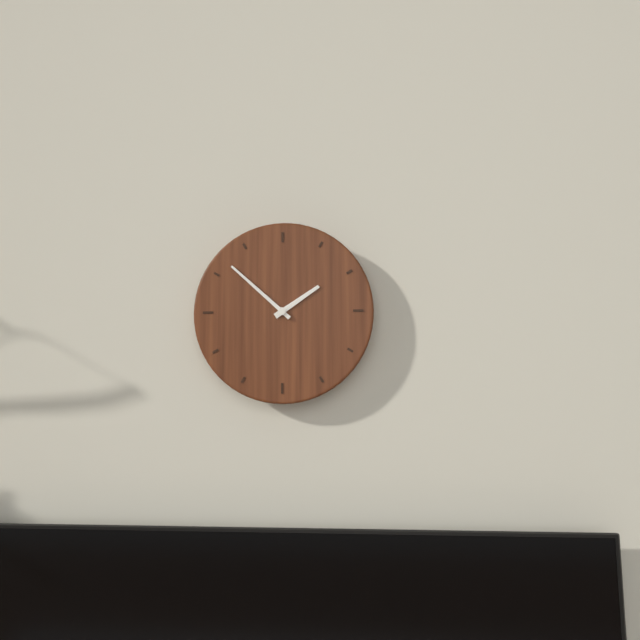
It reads **1:52**
